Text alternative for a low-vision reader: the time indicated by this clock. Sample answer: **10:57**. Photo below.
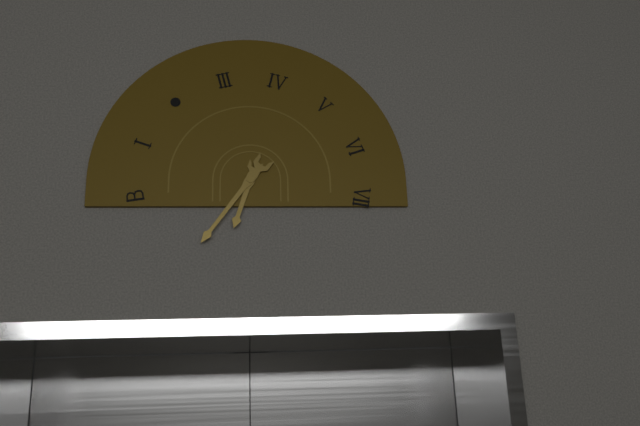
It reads **6:36**
